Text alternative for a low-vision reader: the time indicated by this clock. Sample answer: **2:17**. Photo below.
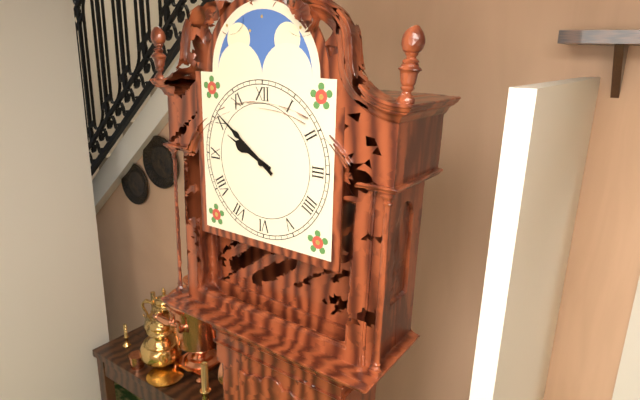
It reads **9:51**
